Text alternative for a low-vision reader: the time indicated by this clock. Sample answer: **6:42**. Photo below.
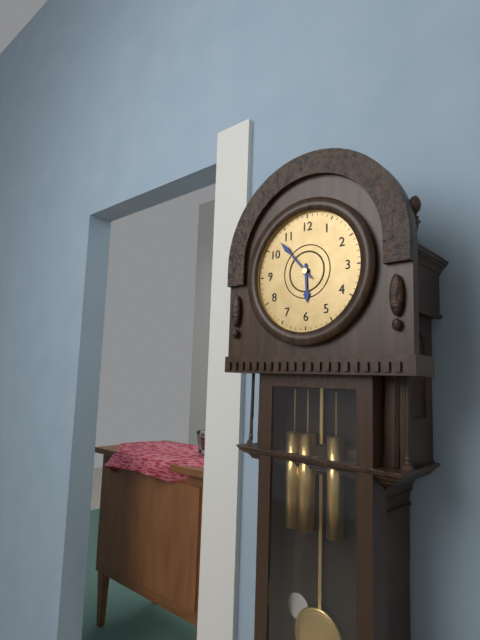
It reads **5:53**
